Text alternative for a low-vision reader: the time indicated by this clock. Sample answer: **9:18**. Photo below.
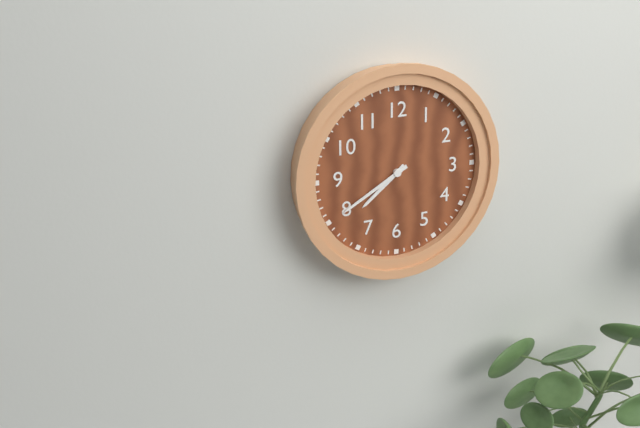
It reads **7:40**
